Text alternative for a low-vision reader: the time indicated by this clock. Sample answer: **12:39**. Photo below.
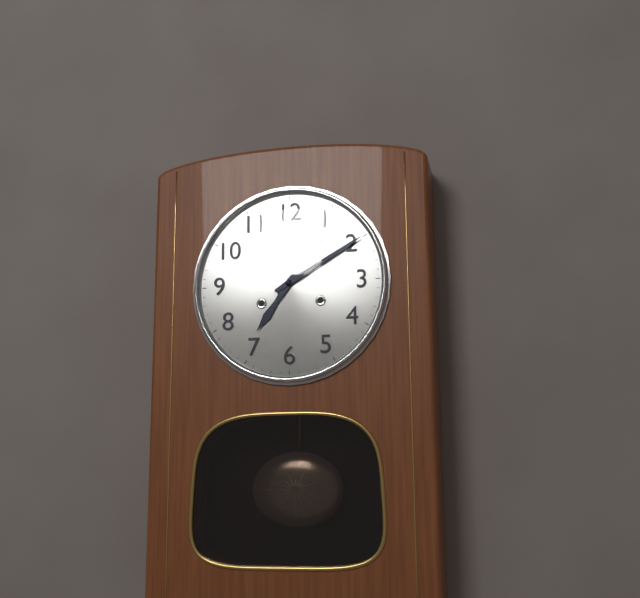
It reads **7:10**
